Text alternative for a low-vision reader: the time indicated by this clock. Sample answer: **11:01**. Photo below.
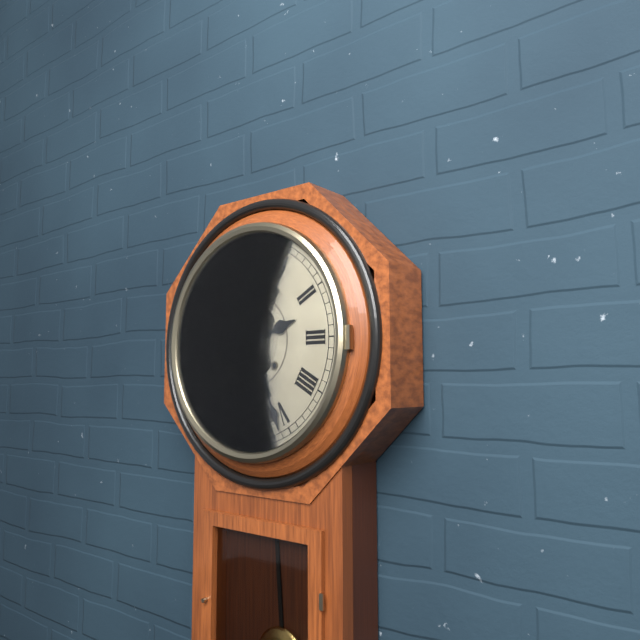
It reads **2:26**
